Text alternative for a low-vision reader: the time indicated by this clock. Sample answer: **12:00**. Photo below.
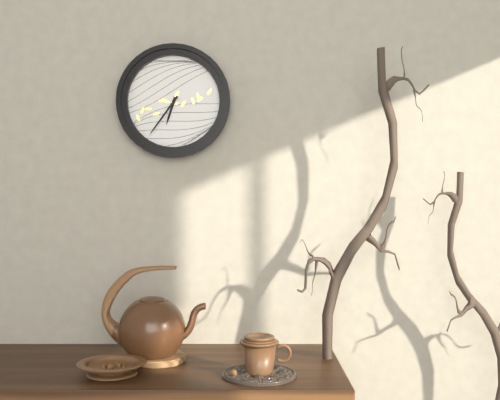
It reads **6:36**
